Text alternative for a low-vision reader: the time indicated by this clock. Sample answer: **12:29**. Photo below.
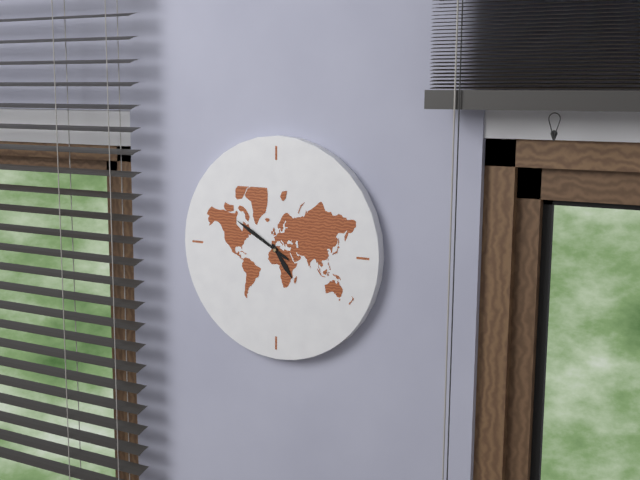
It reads **4:50**
